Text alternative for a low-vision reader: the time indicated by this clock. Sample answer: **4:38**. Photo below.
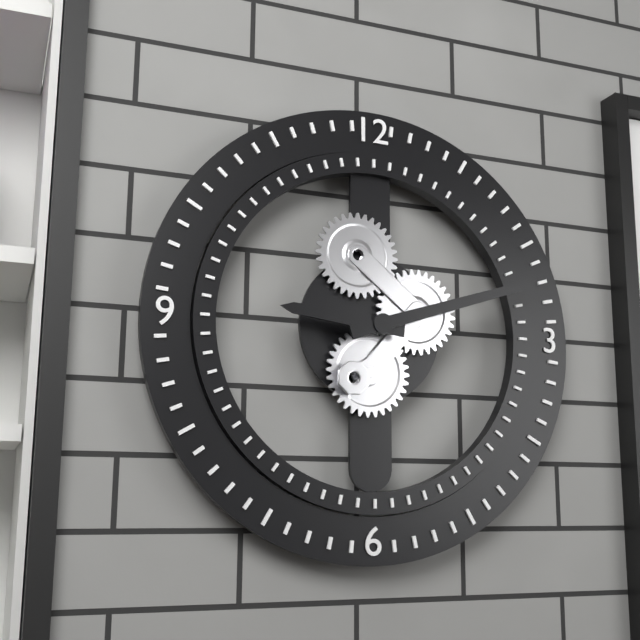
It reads **9:12**
